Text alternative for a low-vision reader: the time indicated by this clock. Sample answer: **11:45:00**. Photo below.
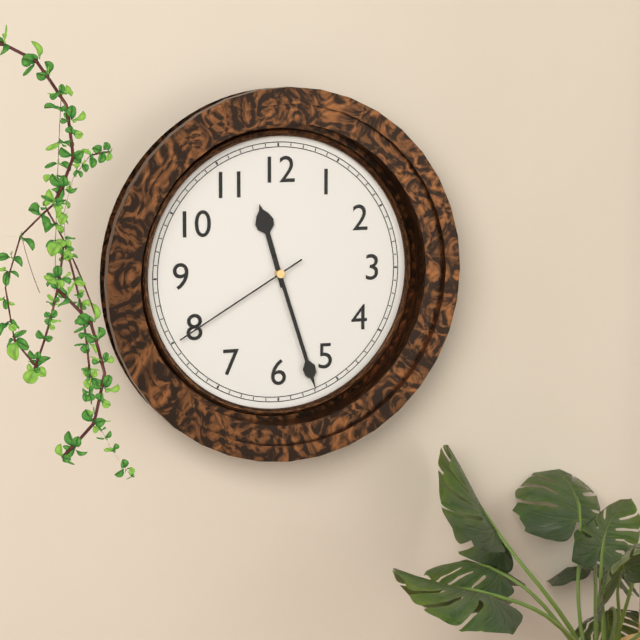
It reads **11:27:40**
